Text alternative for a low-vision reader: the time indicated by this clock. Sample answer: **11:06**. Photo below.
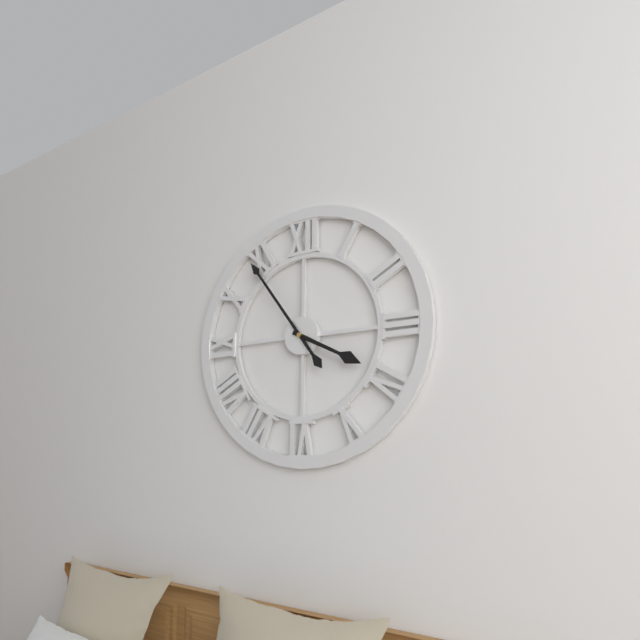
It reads **3:54**
